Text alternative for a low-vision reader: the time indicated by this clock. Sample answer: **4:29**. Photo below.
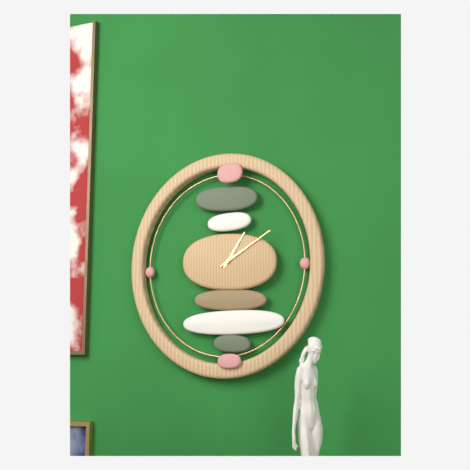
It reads **1:10**
